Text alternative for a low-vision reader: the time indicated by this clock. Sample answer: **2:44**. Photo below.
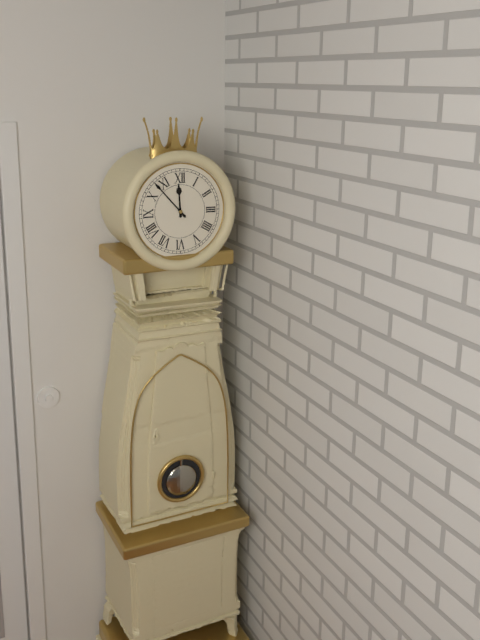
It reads **11:53**
